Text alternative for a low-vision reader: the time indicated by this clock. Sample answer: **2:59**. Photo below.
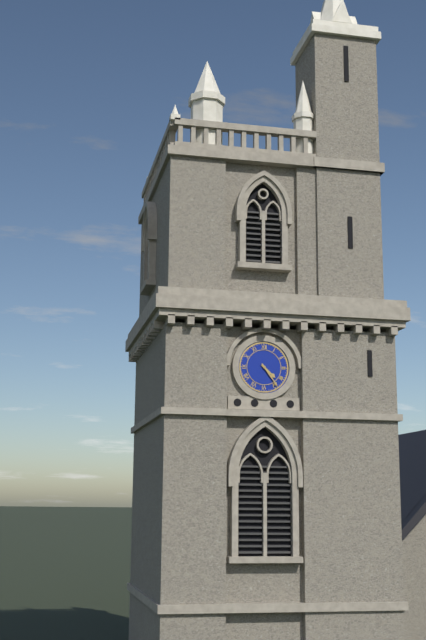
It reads **4:24**
